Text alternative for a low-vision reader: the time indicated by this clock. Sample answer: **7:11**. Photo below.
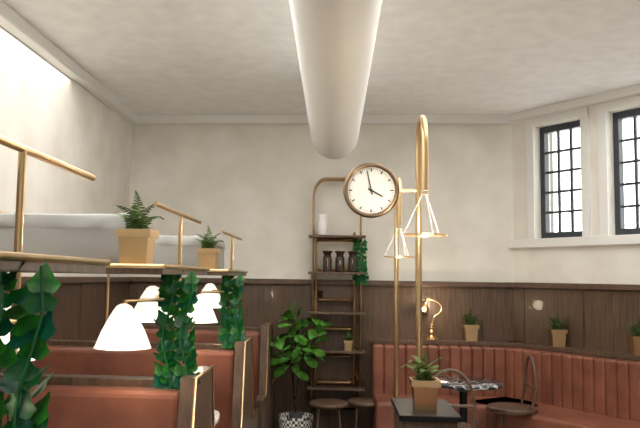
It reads **3:58**
